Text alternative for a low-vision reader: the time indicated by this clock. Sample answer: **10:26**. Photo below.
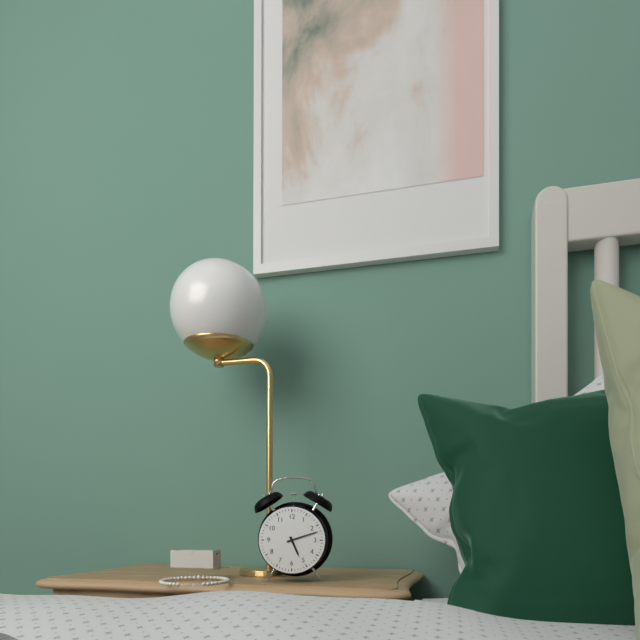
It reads **5:12**
